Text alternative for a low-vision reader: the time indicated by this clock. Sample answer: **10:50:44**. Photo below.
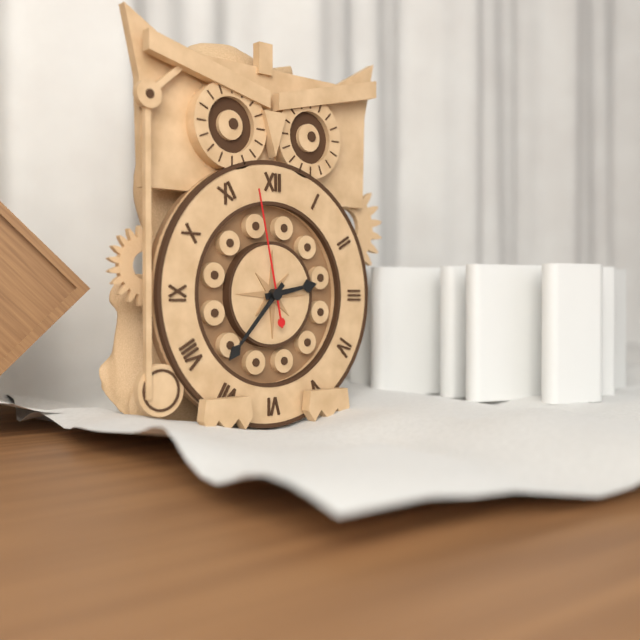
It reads **2:37:58**
